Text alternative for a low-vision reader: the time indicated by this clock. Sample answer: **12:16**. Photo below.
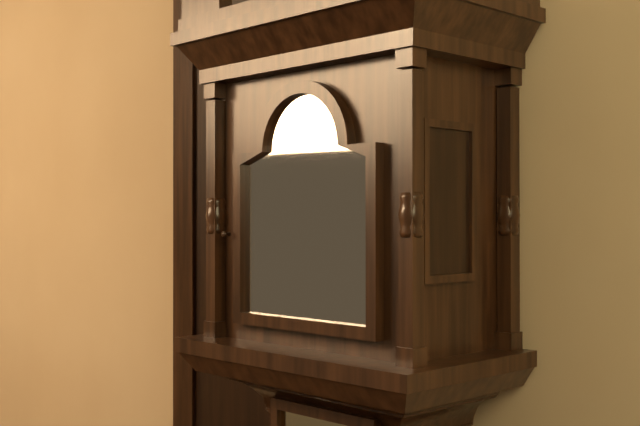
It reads **5:38**
